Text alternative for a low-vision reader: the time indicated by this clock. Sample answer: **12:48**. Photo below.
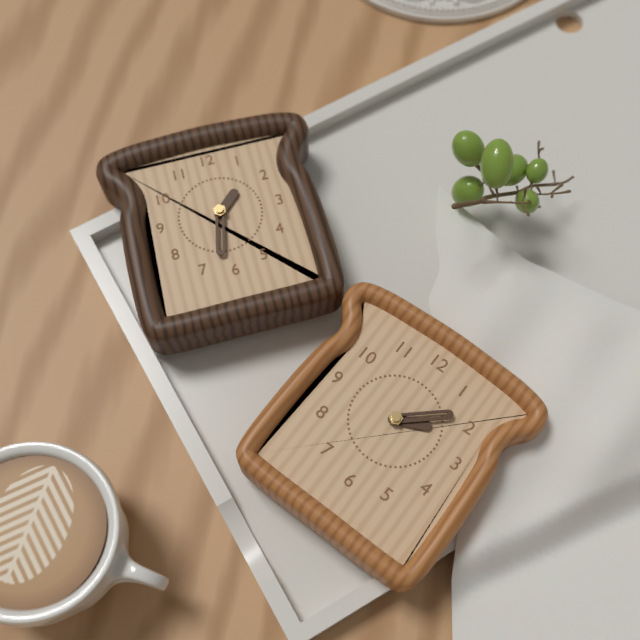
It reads **2:08**
